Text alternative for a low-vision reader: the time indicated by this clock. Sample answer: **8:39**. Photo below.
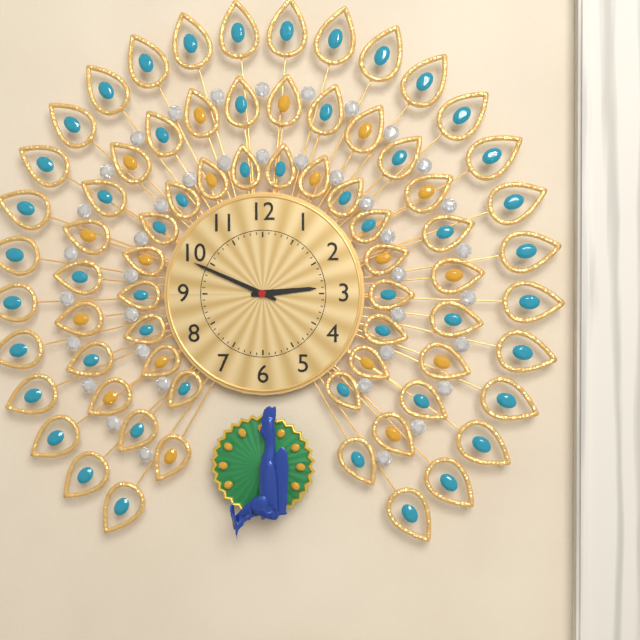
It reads **2:49**
